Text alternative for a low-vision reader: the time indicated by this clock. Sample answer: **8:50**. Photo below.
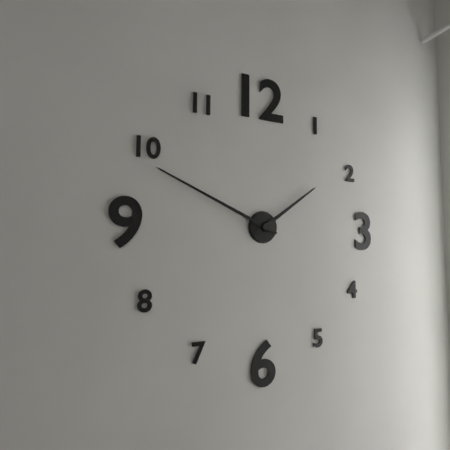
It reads **1:49**
